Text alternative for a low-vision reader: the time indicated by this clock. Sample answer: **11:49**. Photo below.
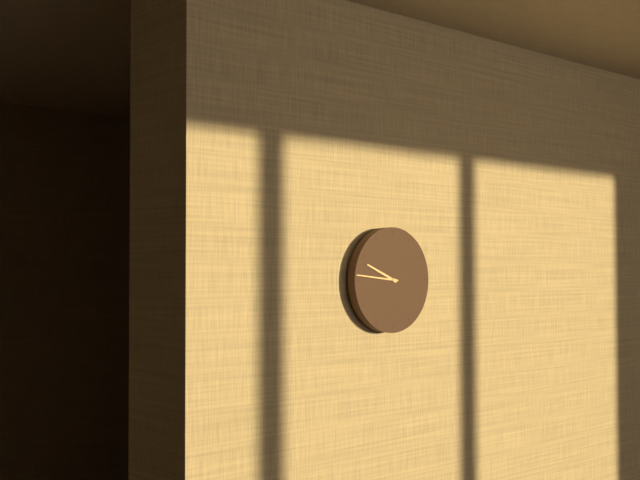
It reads **9:46**
